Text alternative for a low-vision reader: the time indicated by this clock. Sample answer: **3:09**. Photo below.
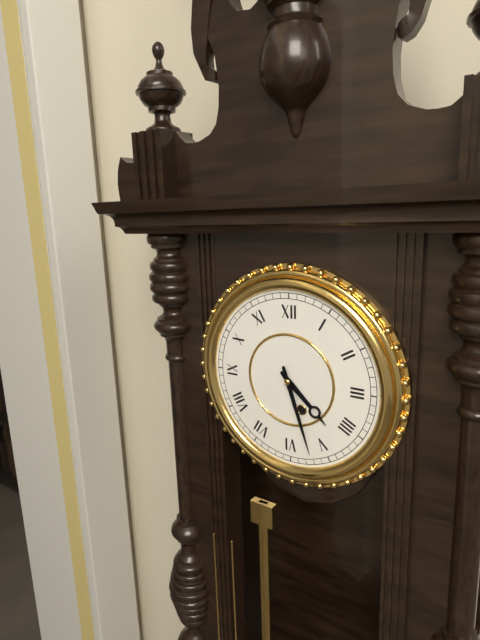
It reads **4:27**
